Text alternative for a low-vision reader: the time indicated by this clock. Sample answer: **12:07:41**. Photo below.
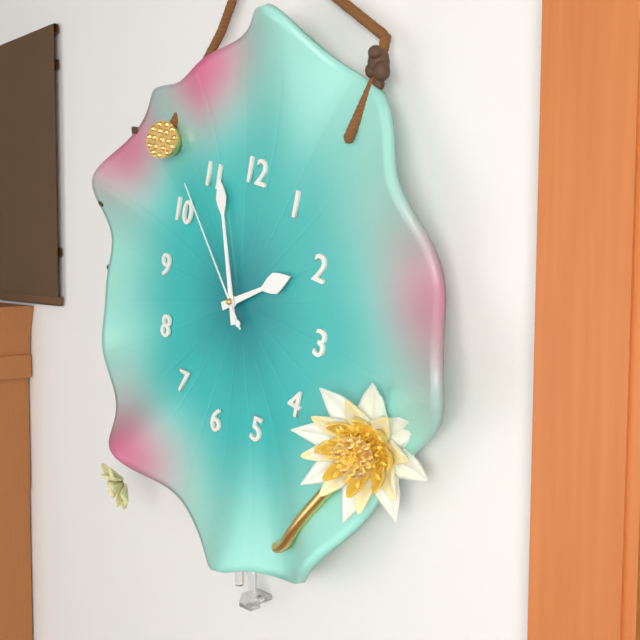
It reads **1:56:52**
